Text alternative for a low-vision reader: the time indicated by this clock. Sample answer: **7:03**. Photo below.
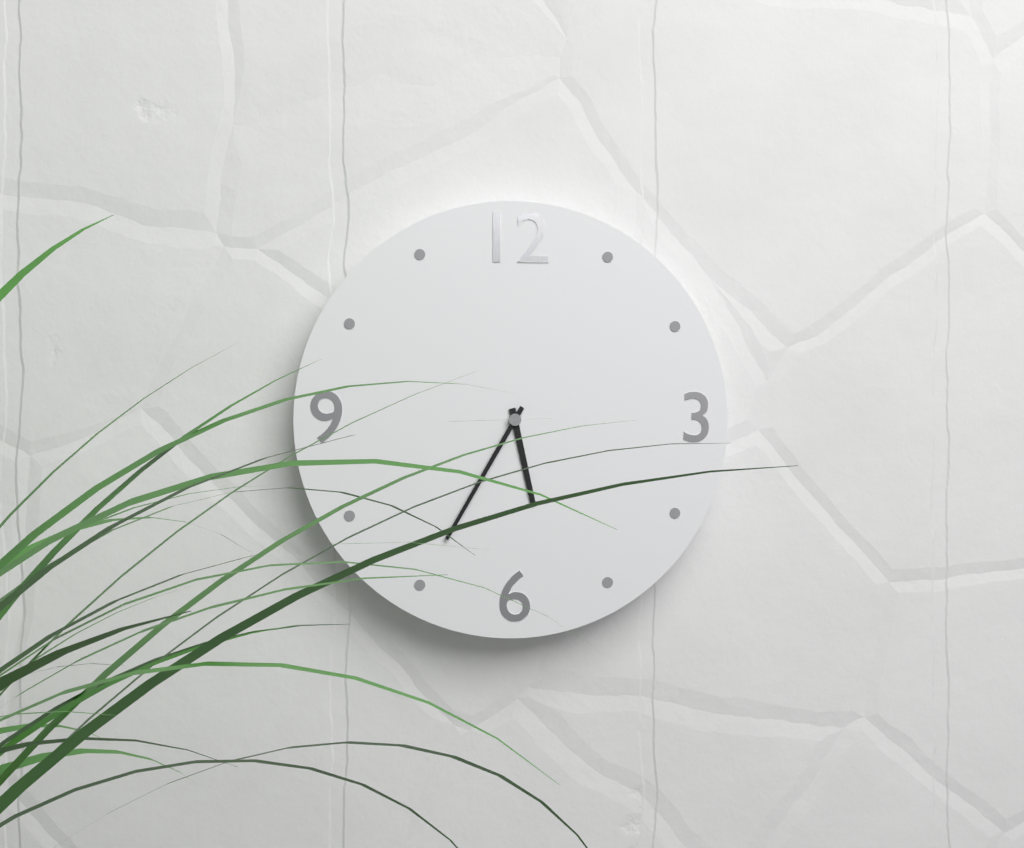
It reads **5:35**
